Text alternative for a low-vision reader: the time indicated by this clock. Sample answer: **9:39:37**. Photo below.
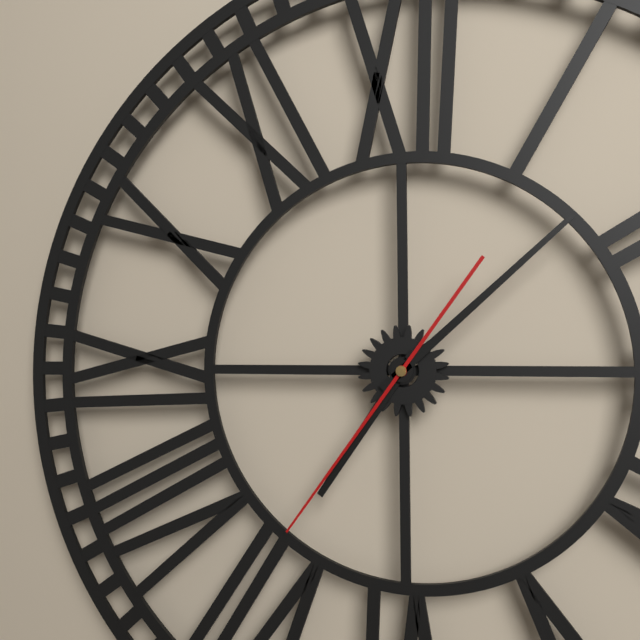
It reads **7:08:36**
